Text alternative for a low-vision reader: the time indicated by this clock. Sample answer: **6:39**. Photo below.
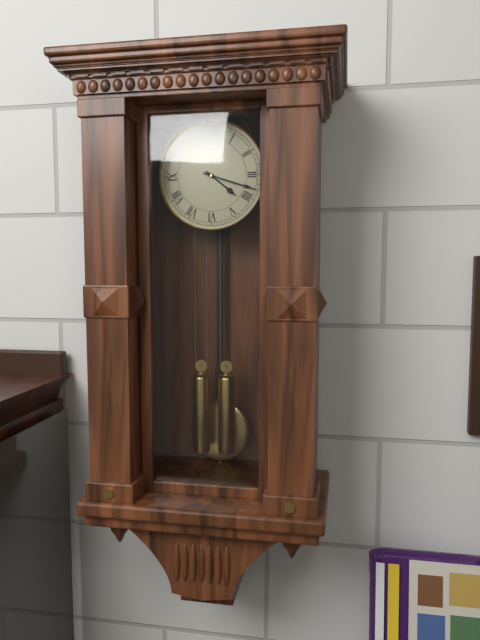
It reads **4:18**
